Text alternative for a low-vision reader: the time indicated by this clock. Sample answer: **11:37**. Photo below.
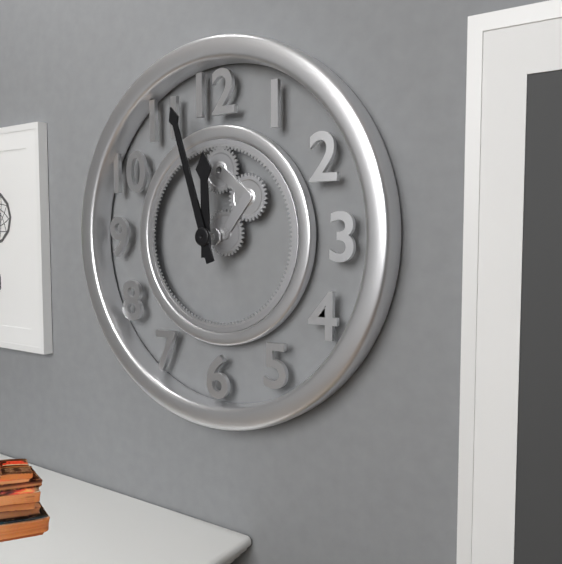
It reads **11:57**
